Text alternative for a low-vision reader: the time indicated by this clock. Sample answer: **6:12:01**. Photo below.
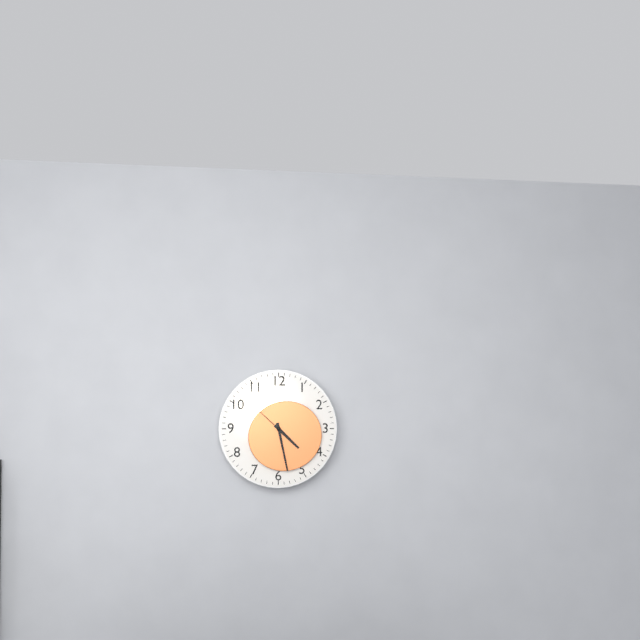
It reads **4:28:52**
